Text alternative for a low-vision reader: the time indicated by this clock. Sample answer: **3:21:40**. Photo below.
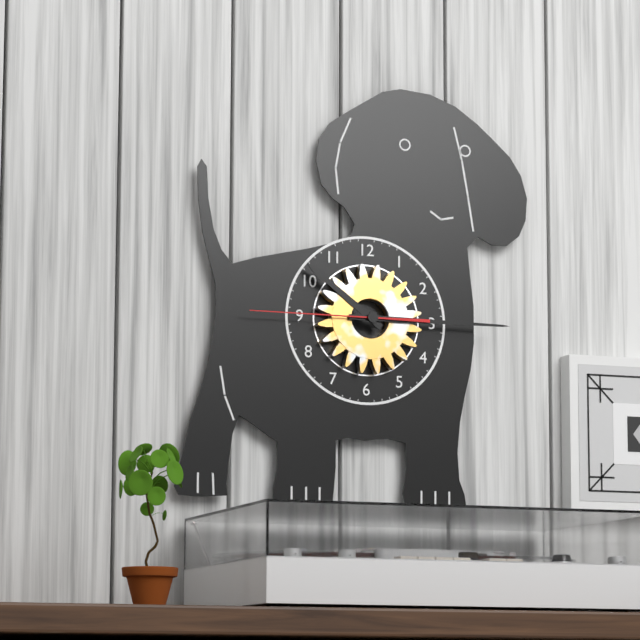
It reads **10:15:45**
